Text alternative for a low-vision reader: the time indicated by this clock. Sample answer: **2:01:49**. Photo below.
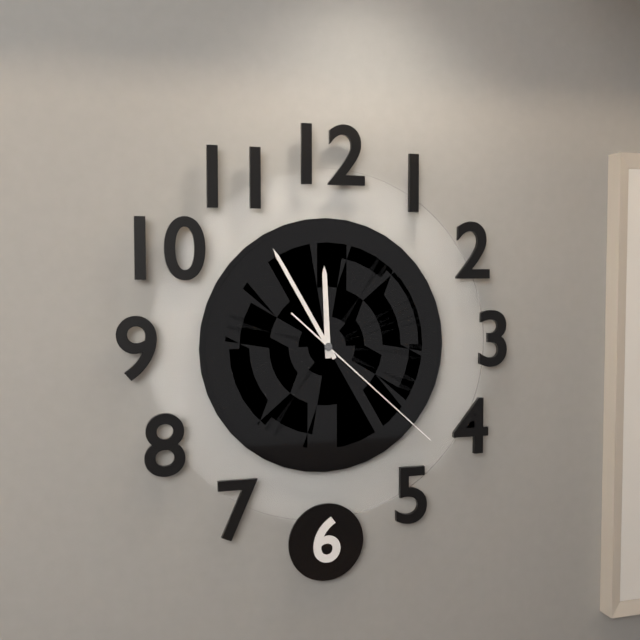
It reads **11:55:22**
